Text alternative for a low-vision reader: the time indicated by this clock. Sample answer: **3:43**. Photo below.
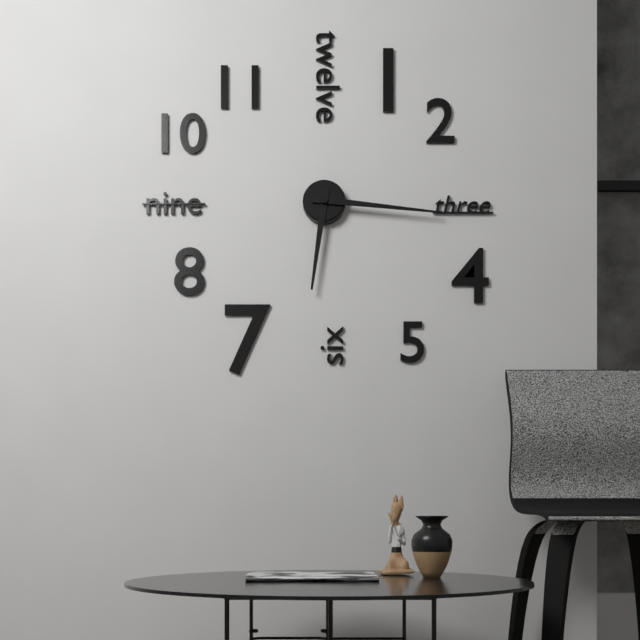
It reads **6:16**
